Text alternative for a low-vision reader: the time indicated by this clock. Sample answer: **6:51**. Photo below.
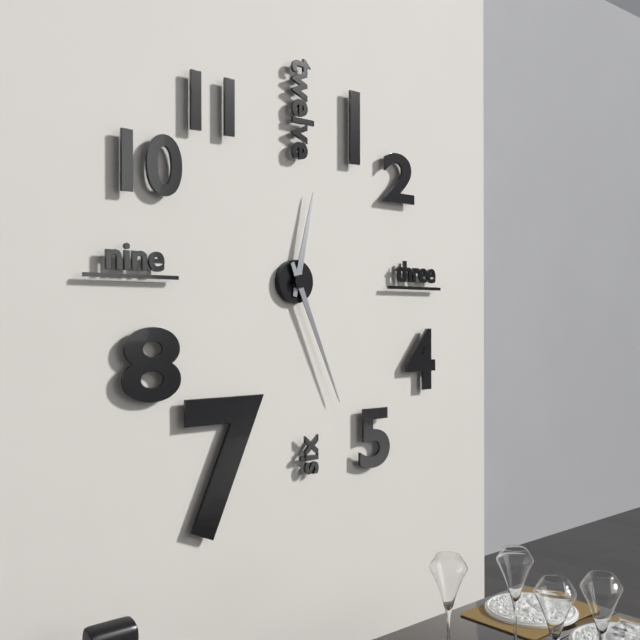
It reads **12:26**
